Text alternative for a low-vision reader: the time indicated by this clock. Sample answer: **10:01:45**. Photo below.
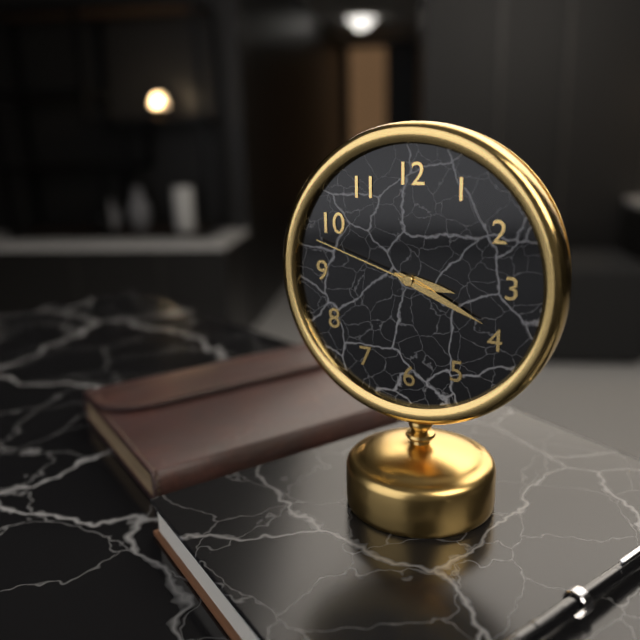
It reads **3:19:48**
